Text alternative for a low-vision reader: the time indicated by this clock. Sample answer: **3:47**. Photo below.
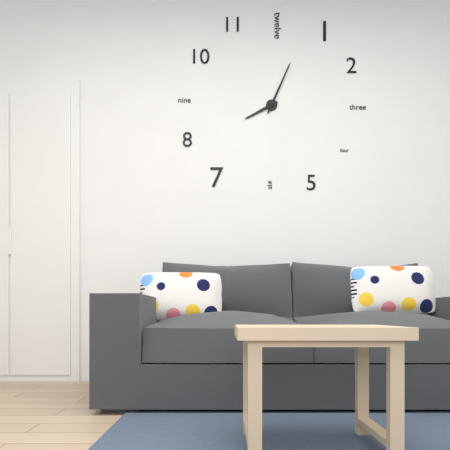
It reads **8:04**
